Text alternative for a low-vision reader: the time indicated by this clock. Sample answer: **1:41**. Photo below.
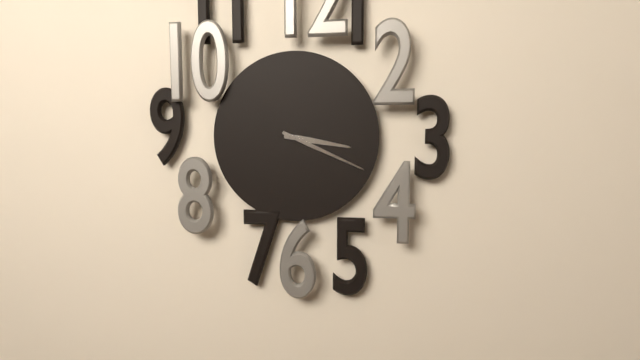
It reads **3:19**
